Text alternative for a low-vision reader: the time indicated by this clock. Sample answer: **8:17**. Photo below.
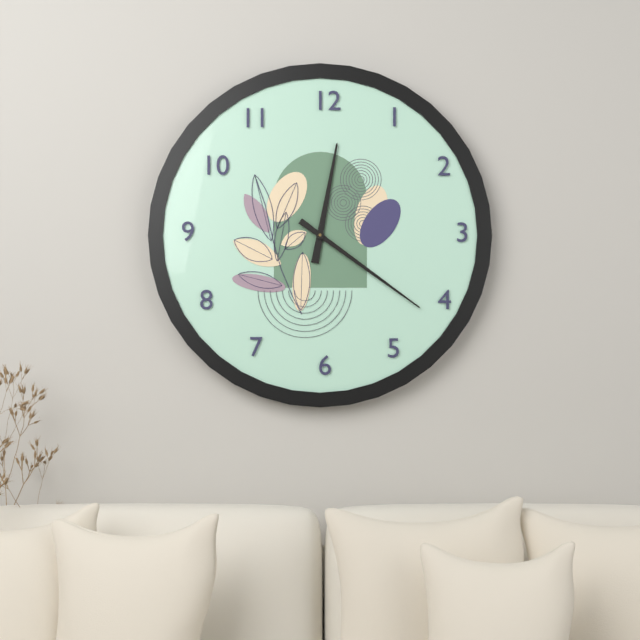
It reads **12:21**
